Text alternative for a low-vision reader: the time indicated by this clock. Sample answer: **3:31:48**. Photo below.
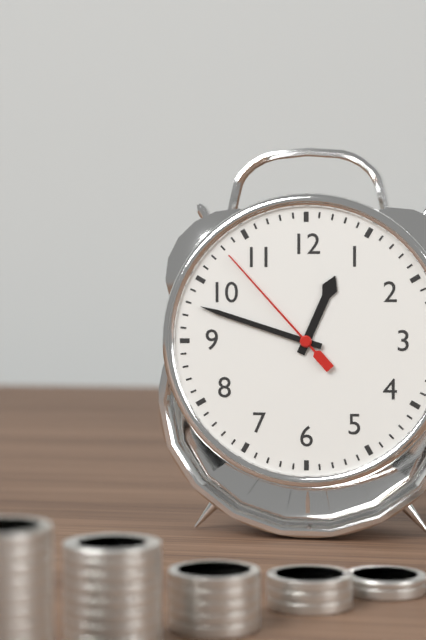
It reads **12:48:53**
